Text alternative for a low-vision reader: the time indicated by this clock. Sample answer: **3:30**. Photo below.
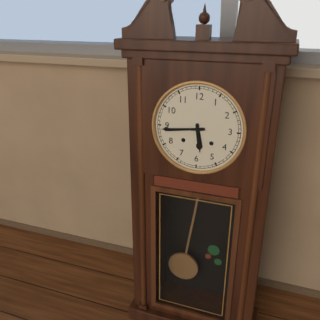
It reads **5:44**
